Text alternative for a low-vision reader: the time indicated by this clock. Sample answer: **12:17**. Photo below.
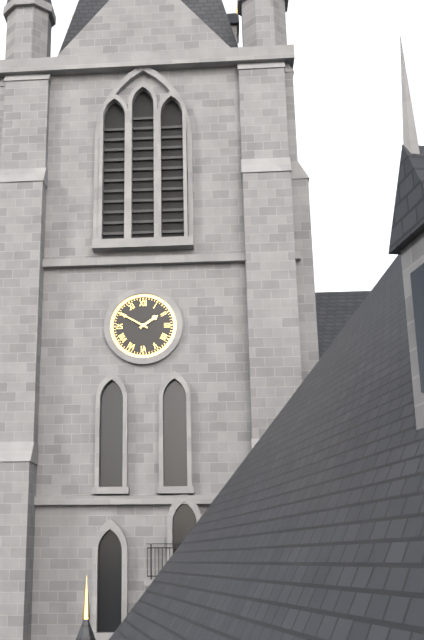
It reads **1:50**
